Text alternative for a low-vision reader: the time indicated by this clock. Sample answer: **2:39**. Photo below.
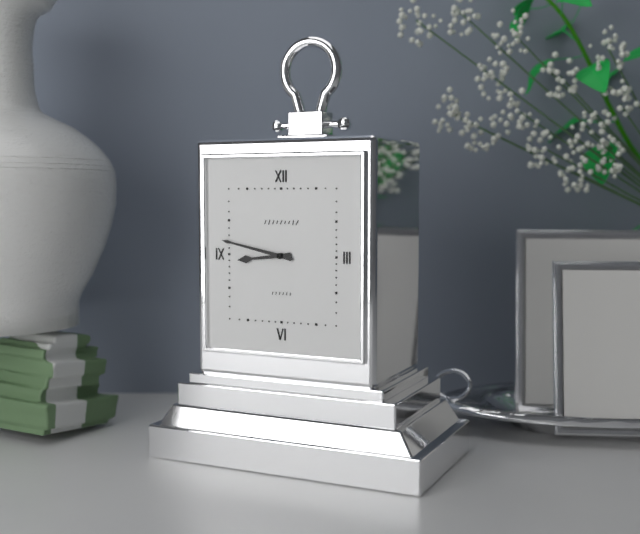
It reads **8:47**
